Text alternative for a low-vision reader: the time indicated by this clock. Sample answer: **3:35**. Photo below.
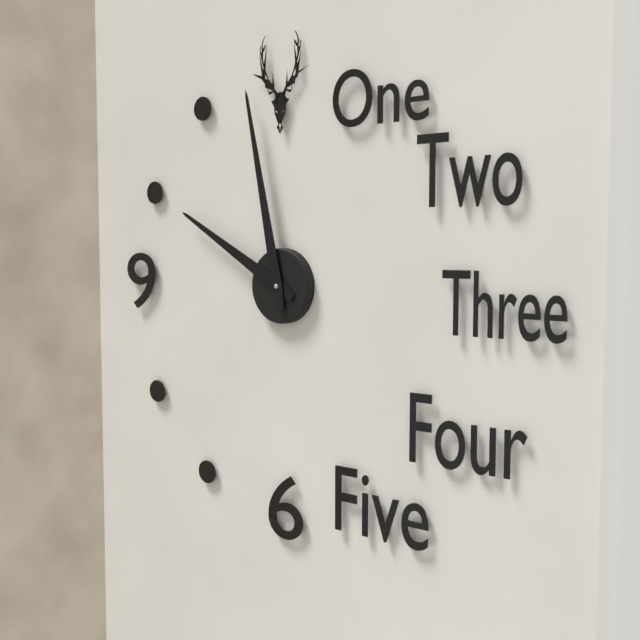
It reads **9:58**
